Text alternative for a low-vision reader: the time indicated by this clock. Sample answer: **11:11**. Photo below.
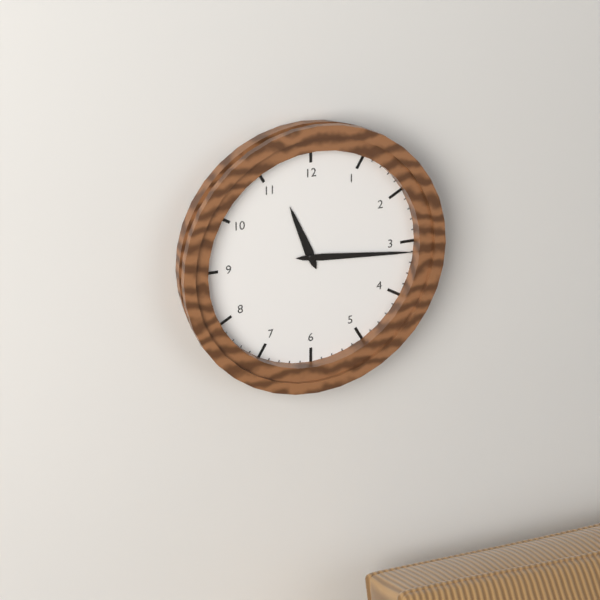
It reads **11:16**
